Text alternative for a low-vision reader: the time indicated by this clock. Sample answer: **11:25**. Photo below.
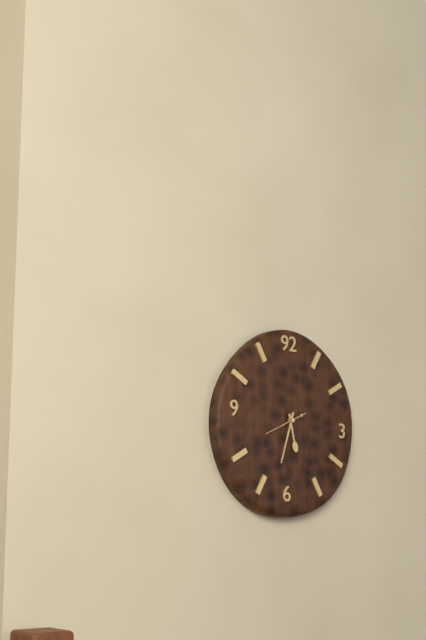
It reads **5:33**
